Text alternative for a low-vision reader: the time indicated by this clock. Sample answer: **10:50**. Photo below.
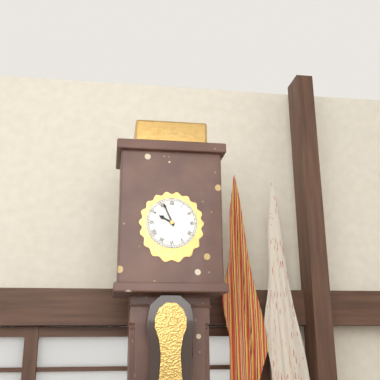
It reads **9:56**
